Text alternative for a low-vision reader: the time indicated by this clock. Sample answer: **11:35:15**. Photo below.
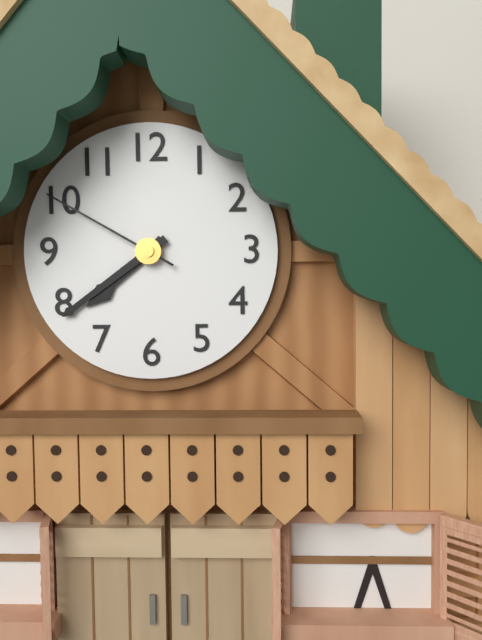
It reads **7:39:50**
